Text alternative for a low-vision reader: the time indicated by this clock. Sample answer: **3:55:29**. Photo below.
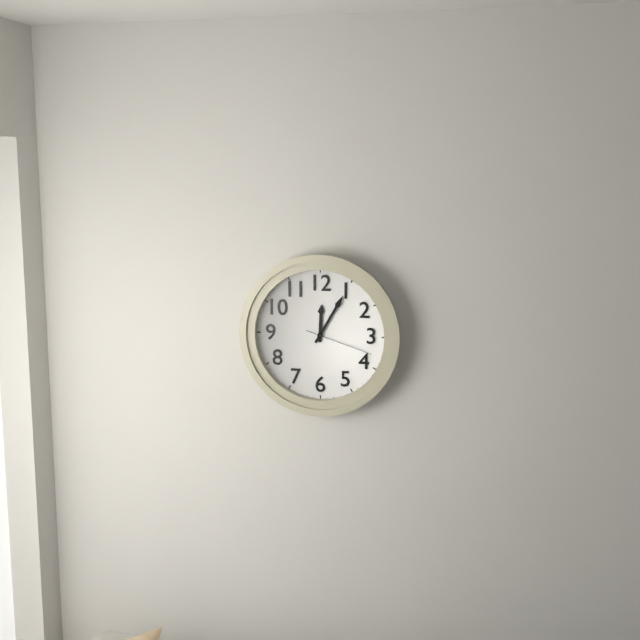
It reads **12:05:18**
